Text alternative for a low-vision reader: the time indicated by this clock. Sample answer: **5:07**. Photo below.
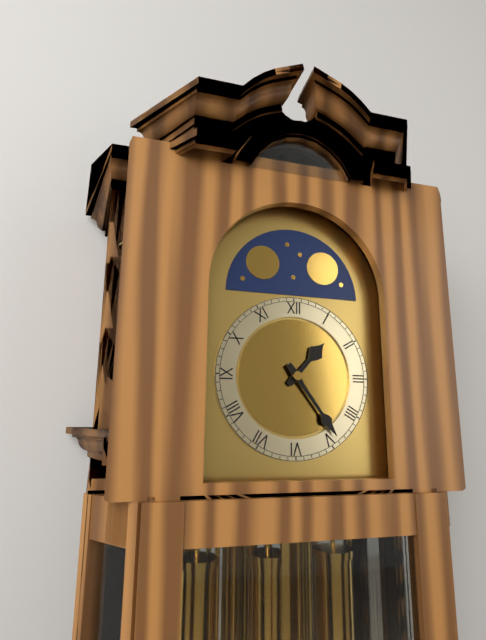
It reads **1:24**
